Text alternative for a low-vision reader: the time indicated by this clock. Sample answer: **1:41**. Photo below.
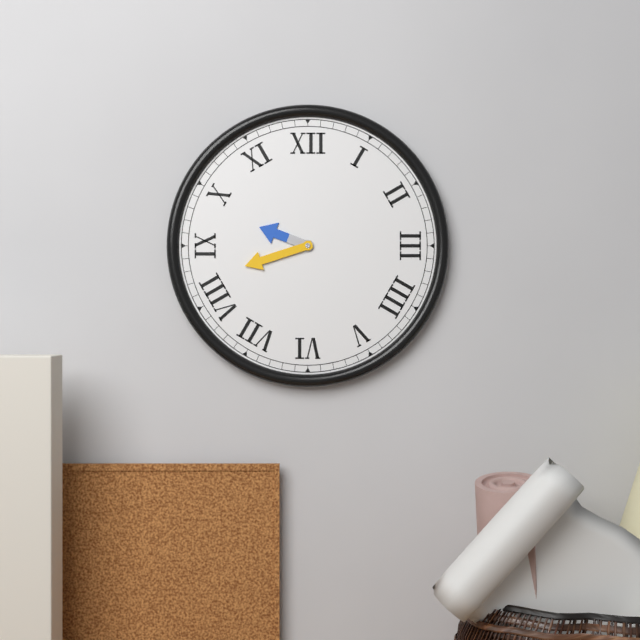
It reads **9:42**
